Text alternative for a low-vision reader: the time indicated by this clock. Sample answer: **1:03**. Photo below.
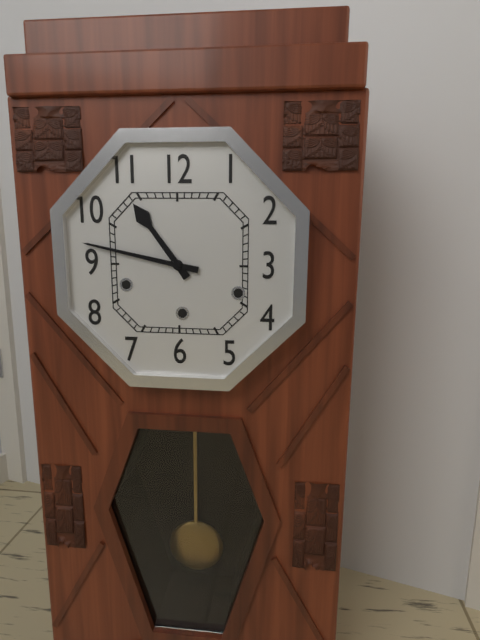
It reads **10:47**
